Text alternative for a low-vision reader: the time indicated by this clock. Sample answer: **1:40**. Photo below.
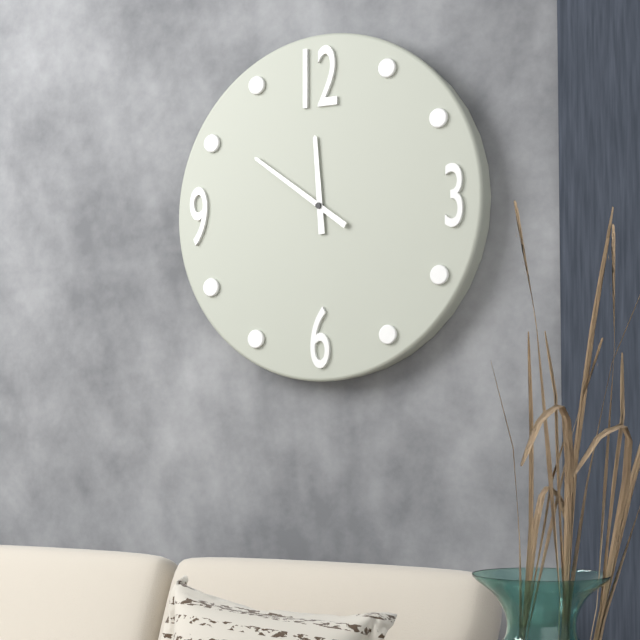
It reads **11:51**
